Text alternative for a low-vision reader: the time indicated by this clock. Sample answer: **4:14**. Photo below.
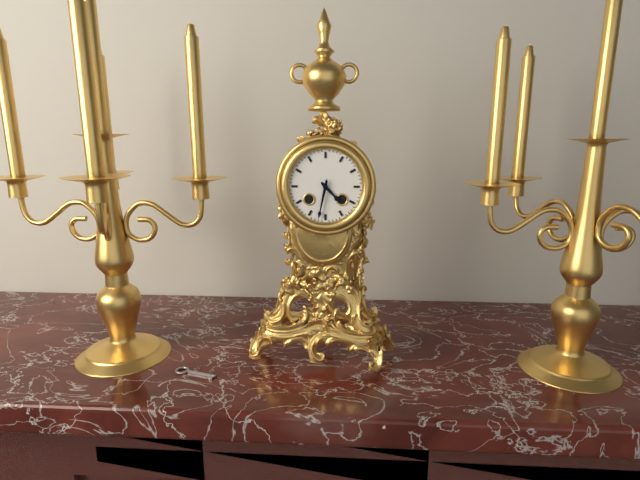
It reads **4:32**
